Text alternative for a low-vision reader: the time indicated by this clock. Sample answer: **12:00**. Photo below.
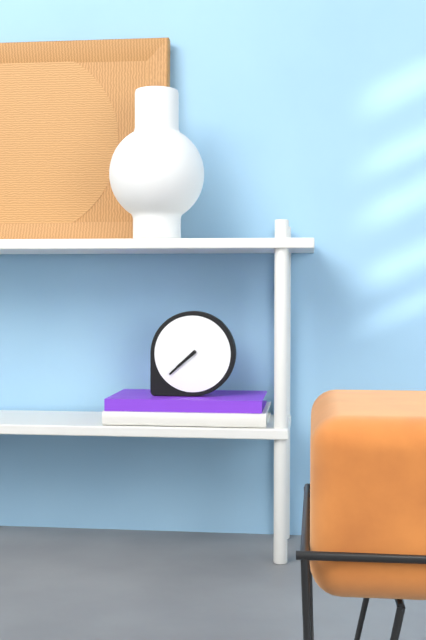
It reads **7:38**
